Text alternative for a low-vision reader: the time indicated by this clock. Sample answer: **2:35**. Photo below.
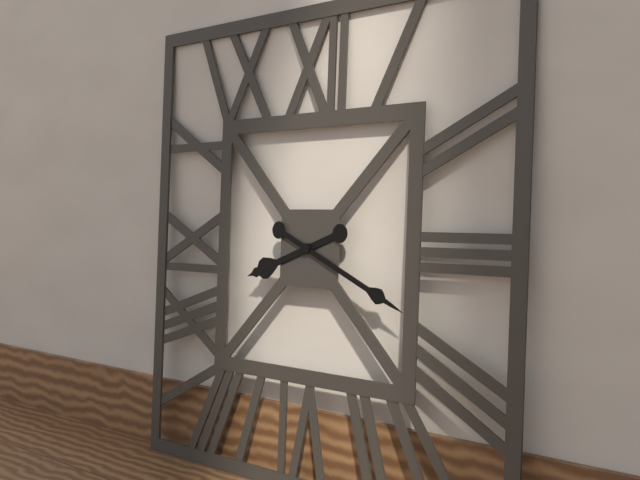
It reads **8:19**
